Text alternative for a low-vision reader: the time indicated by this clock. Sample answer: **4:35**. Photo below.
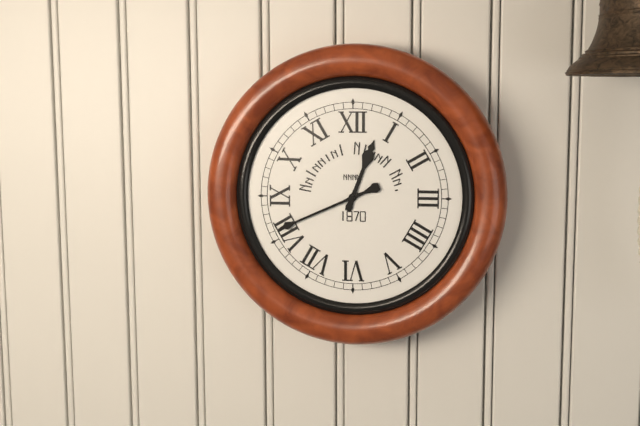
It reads **12:41**
